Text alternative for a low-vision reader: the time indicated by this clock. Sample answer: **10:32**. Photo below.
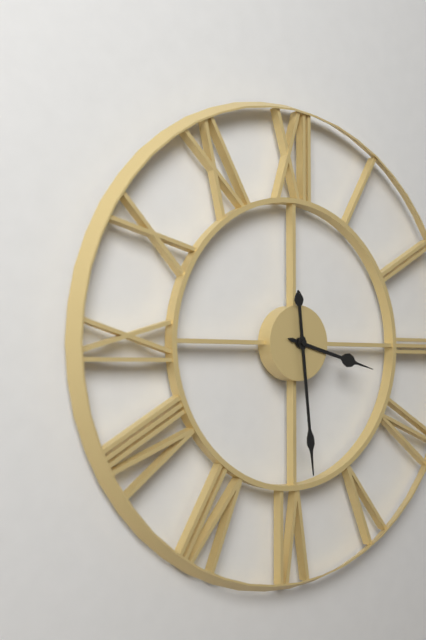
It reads **3:29**
